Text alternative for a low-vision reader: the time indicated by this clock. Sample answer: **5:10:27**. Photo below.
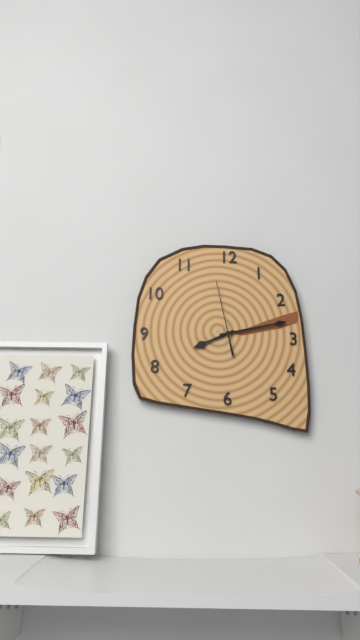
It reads **8:13:58**
